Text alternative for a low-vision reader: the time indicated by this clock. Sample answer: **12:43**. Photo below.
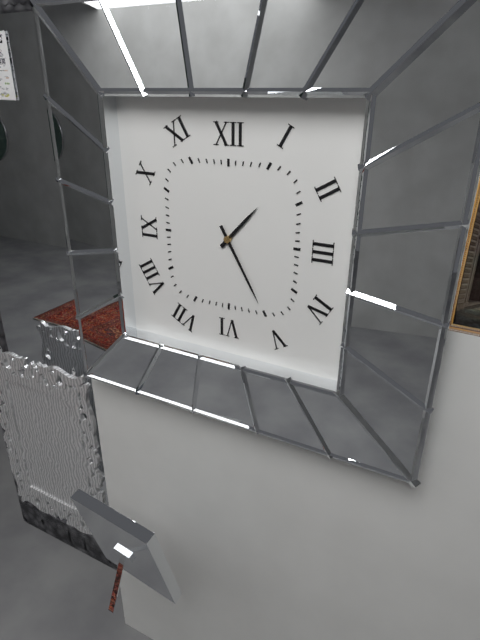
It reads **1:25**
